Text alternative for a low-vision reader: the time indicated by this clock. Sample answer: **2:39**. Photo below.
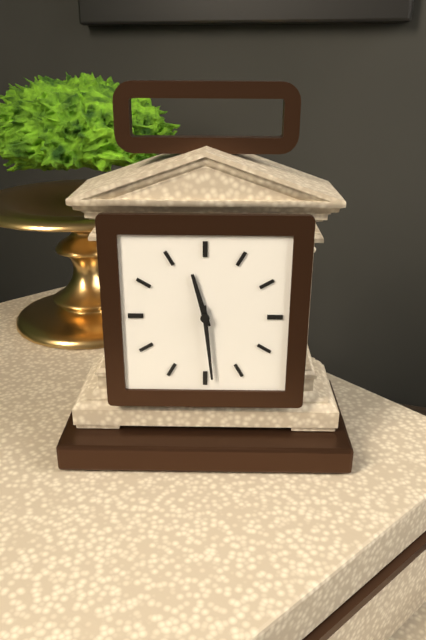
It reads **11:29**
